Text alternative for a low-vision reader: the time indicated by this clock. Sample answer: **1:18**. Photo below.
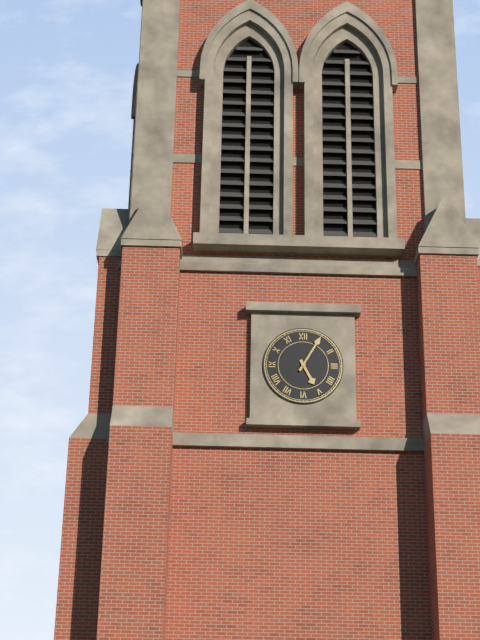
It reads **5:05**
